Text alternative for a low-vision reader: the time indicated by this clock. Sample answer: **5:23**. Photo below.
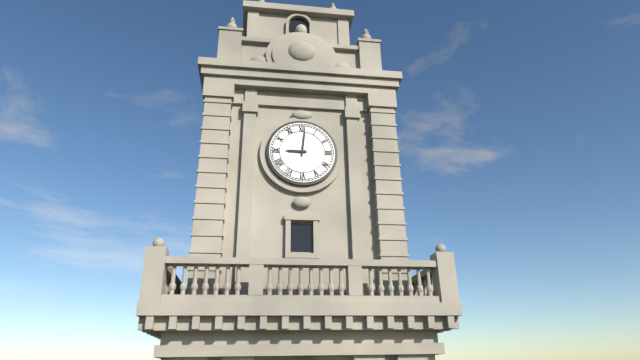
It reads **9:01**
